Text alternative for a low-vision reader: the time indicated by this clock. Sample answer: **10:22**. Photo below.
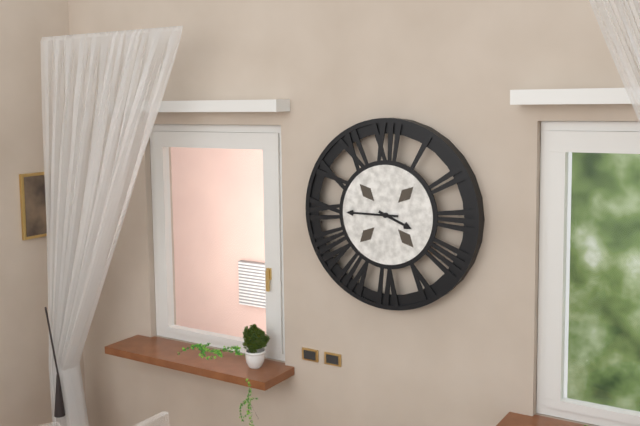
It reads **3:45**
